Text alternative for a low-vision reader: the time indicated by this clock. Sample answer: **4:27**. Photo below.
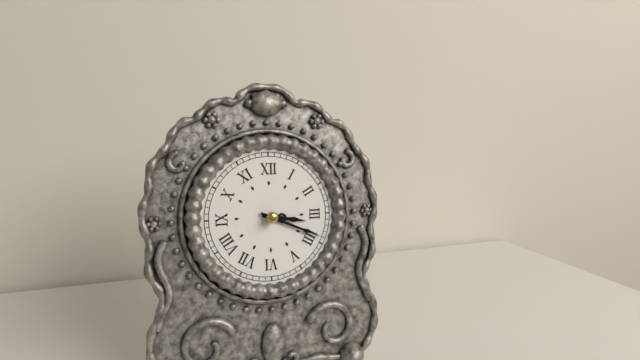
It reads **3:19**
